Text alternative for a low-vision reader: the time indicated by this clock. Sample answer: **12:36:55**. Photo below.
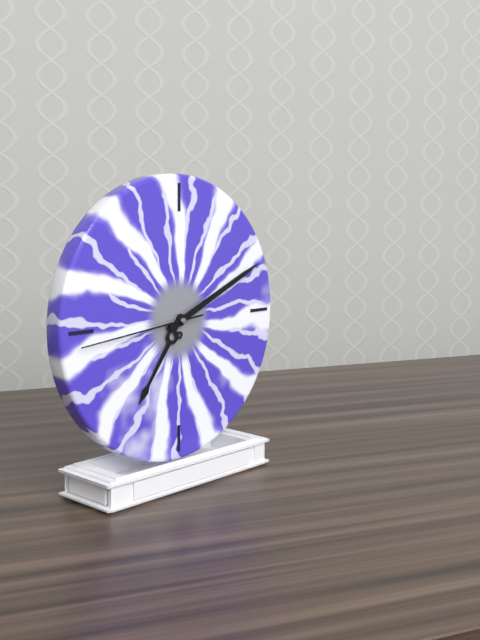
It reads **7:11:44**
